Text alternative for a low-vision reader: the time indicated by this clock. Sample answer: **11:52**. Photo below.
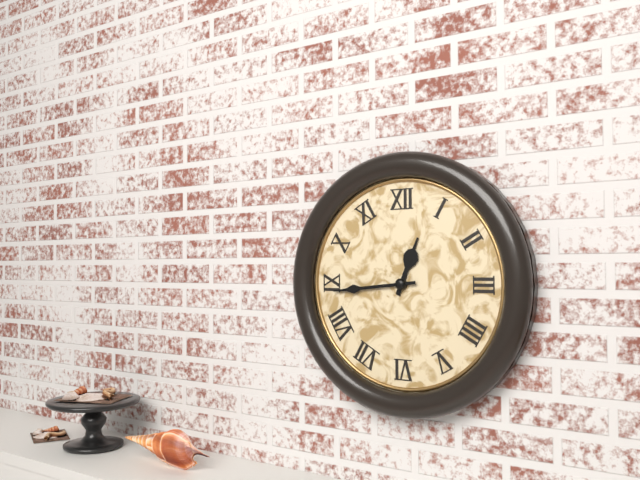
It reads **12:44**
